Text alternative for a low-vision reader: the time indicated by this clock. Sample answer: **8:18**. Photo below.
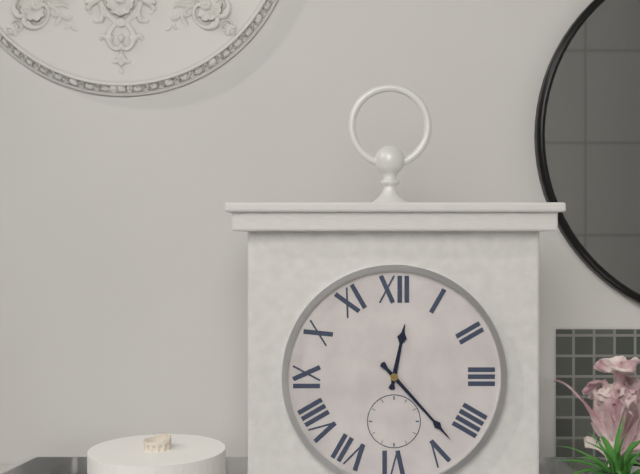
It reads **12:23**
